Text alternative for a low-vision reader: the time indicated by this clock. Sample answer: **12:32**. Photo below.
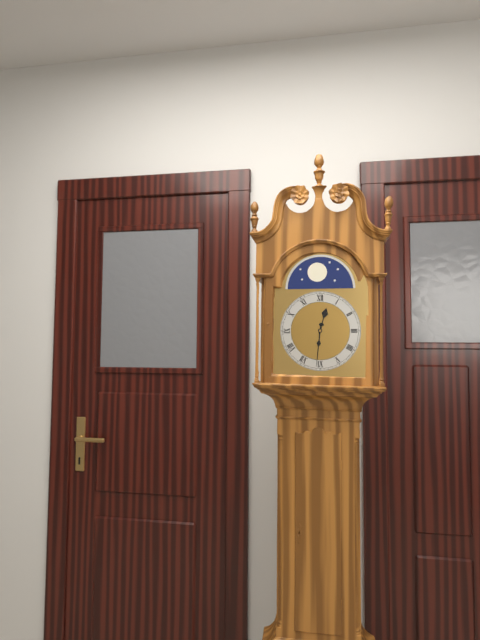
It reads **12:31**
